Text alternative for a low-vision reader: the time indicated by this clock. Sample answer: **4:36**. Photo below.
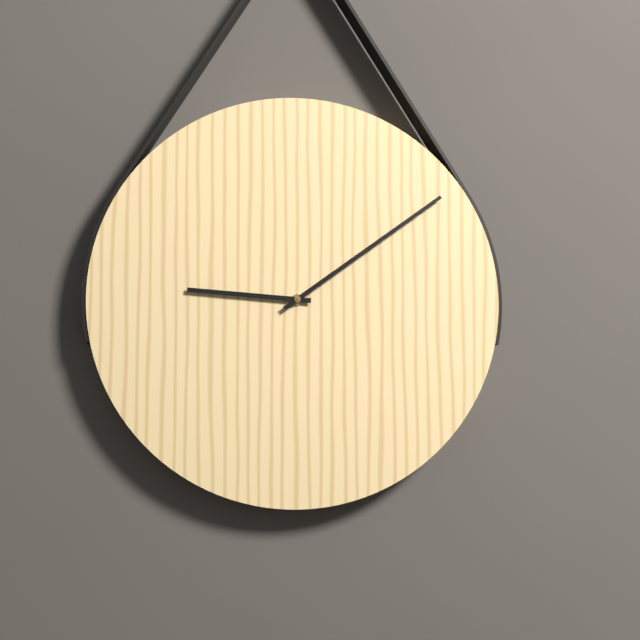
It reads **9:09**
